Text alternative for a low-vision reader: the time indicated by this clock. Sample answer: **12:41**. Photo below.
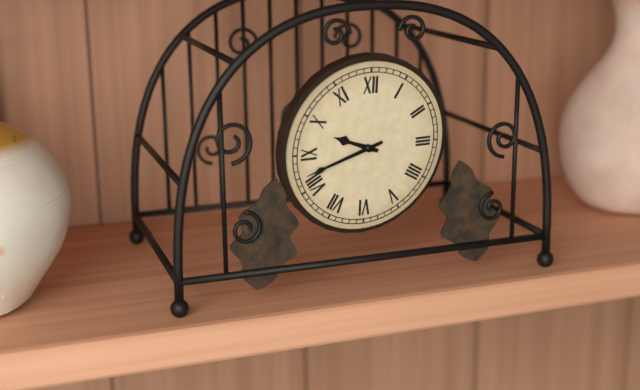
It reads **9:42**
